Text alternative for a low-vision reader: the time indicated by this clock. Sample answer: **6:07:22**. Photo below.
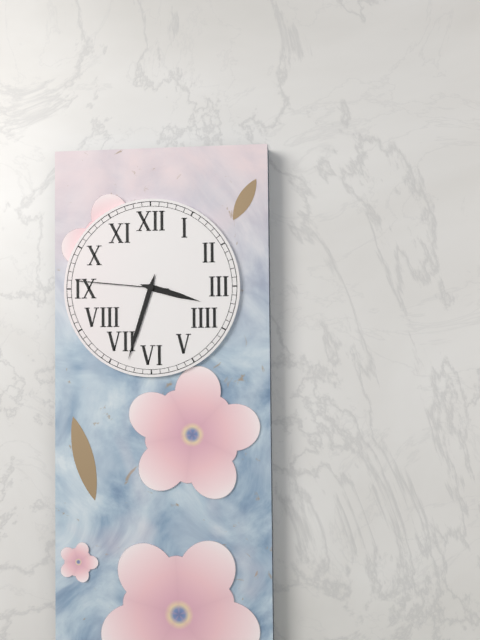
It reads **3:33:46**
